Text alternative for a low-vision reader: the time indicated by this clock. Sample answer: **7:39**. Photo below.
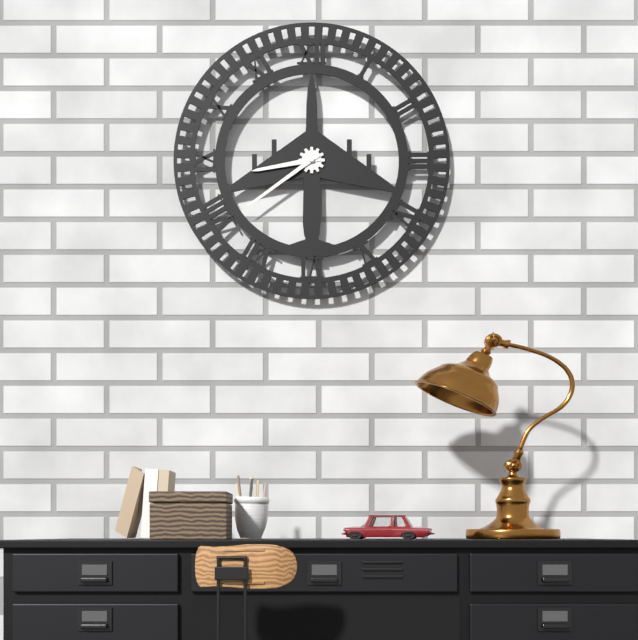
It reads **8:39**
